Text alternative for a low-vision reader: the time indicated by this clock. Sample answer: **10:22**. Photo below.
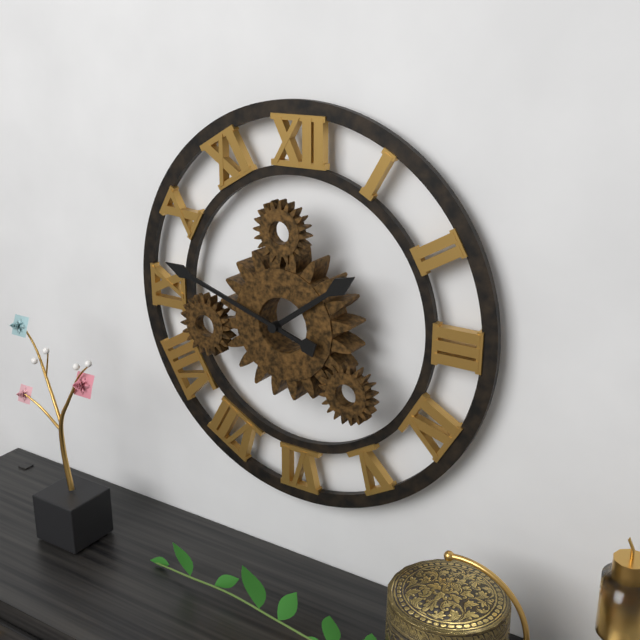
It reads **1:48**
